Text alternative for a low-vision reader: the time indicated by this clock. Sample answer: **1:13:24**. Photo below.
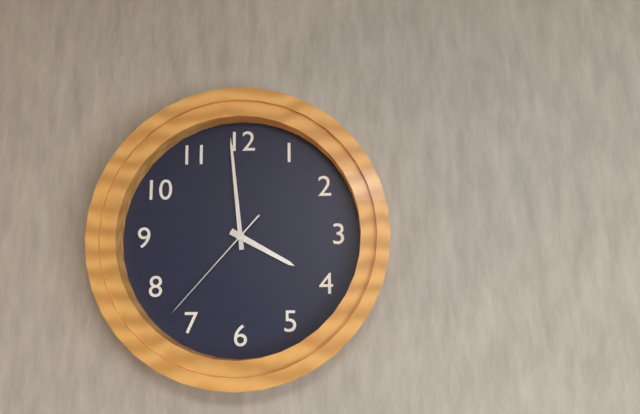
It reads **3:59:37**
